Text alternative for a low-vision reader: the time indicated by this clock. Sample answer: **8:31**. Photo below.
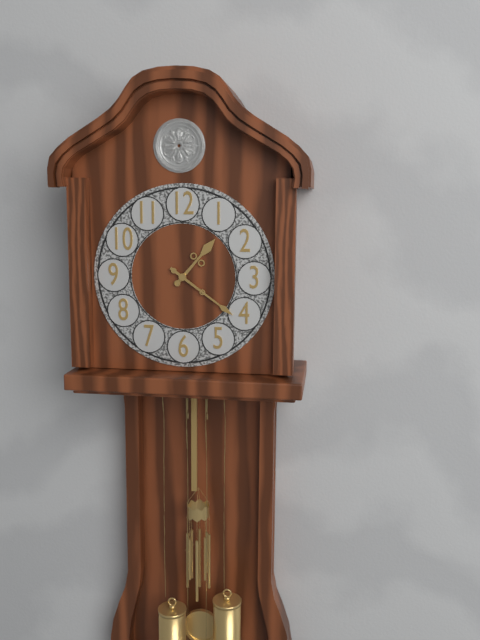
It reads **1:21**
